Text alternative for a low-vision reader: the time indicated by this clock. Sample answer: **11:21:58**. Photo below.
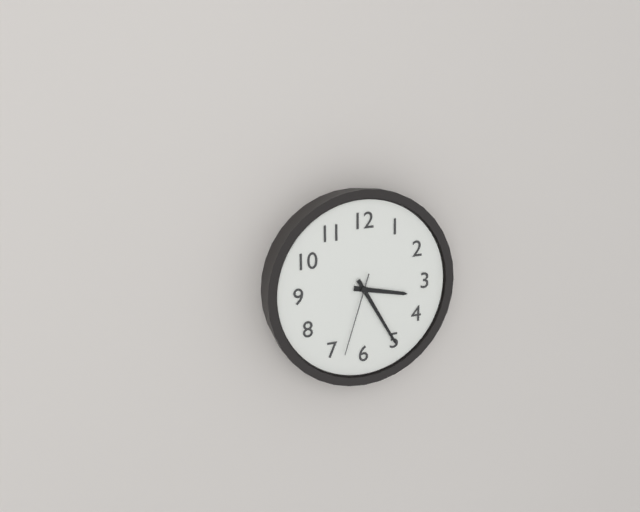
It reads **3:25:33**
